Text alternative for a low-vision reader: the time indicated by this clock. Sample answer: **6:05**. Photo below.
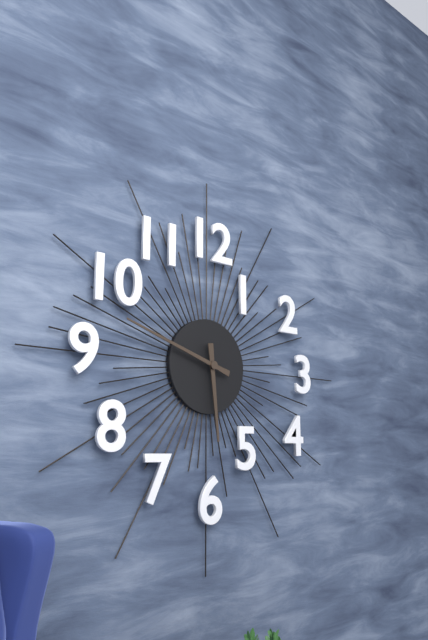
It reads **5:48**
